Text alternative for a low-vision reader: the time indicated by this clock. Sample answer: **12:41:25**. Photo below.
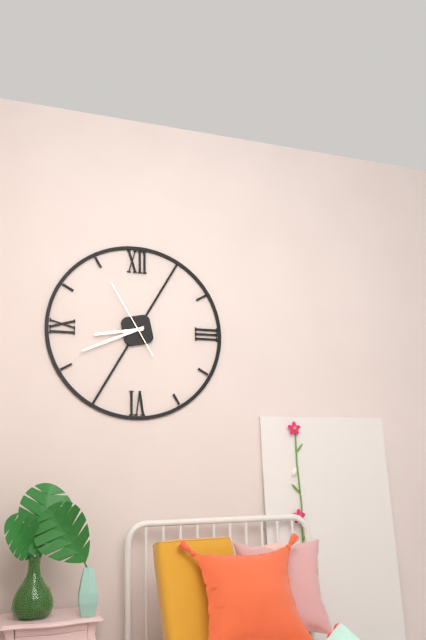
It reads **8:41:55**
